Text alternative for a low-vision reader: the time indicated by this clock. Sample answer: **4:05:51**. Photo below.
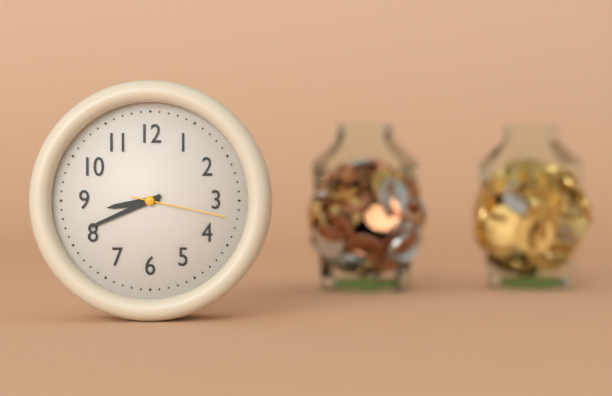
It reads **8:41:17**
